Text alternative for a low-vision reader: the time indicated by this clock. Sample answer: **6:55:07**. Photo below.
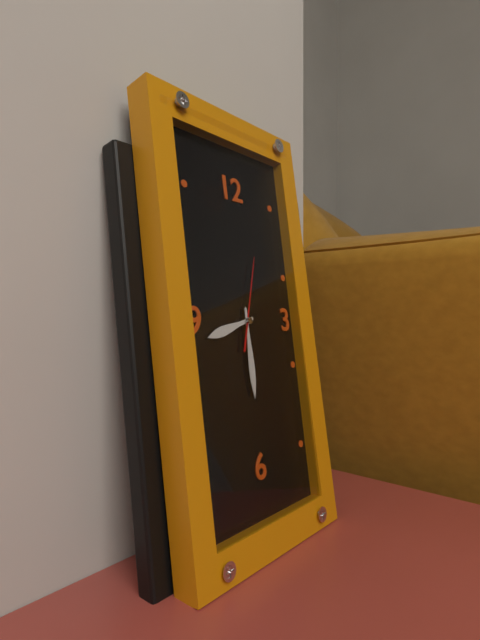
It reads **8:30:03**
